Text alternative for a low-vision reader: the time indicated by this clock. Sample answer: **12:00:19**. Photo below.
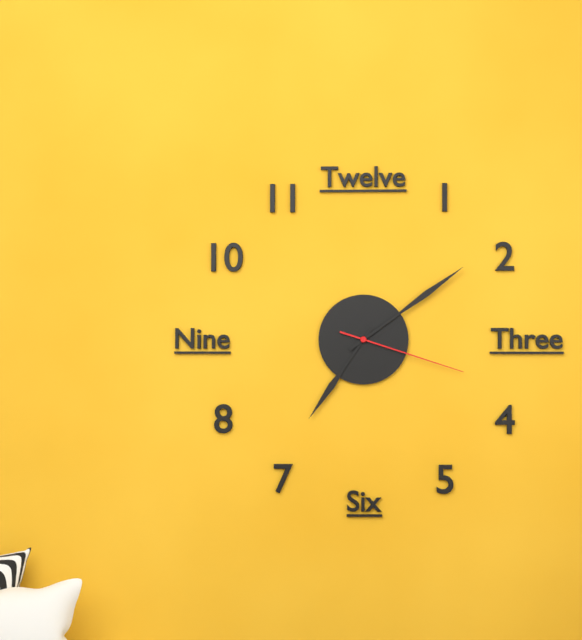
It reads **7:09:18**
